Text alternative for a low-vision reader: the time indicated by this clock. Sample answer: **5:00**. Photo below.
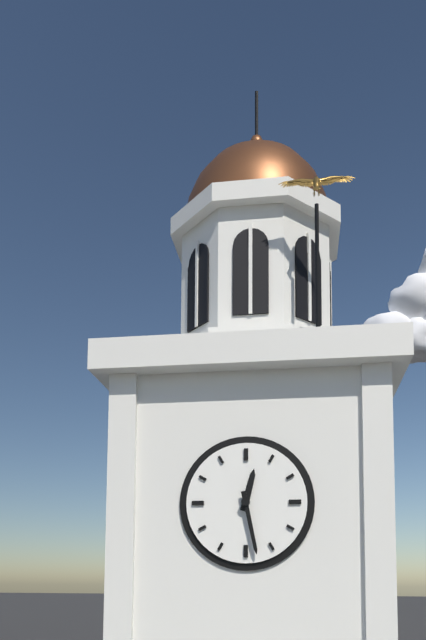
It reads **12:28**
